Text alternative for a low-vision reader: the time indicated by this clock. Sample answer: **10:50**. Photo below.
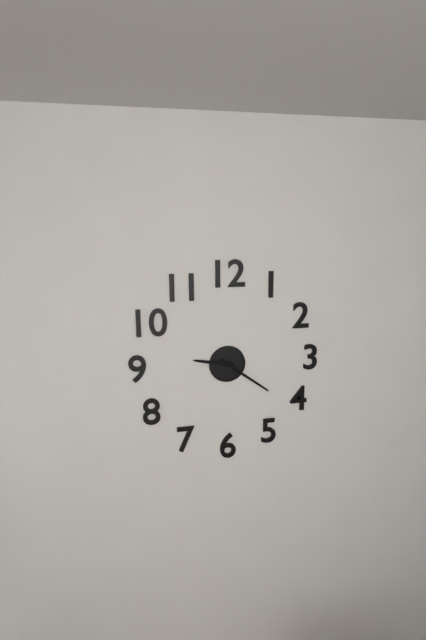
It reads **9:21**
